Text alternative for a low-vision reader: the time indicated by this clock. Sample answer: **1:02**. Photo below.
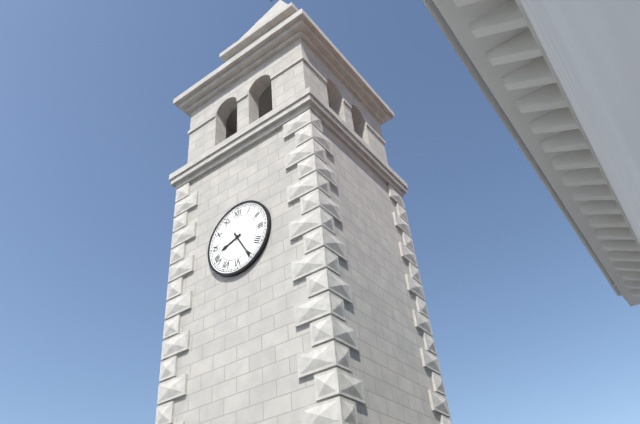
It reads **8:25**
